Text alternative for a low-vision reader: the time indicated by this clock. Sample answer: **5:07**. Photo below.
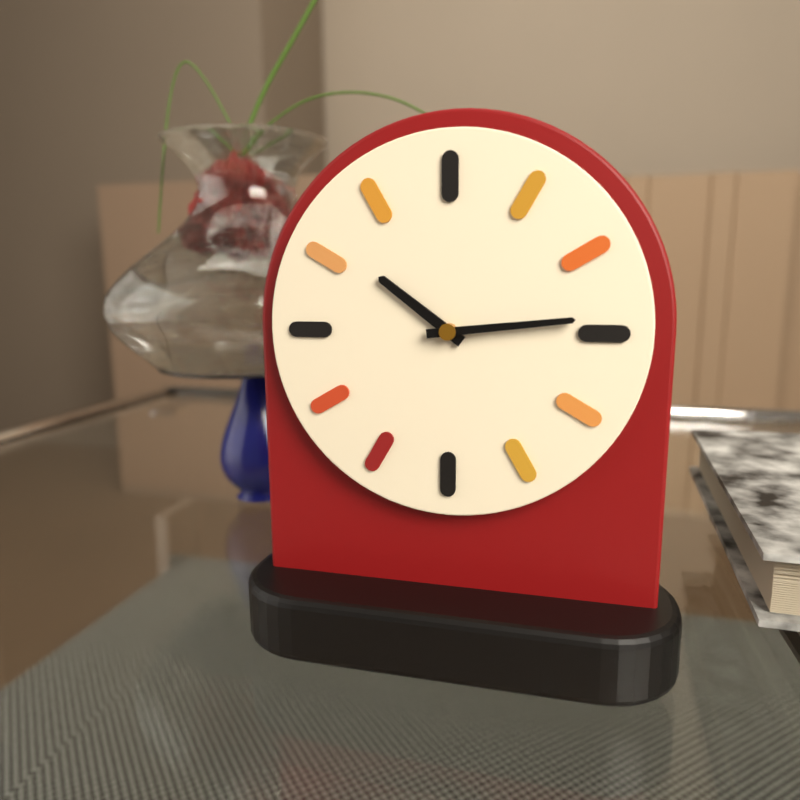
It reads **10:14**
